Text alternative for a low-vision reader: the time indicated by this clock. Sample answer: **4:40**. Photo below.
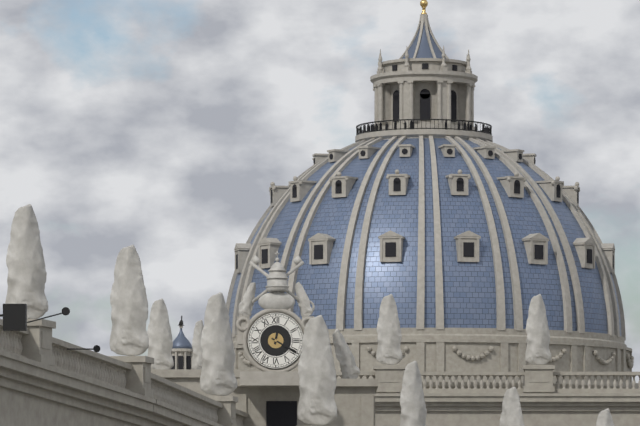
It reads **12:20**
